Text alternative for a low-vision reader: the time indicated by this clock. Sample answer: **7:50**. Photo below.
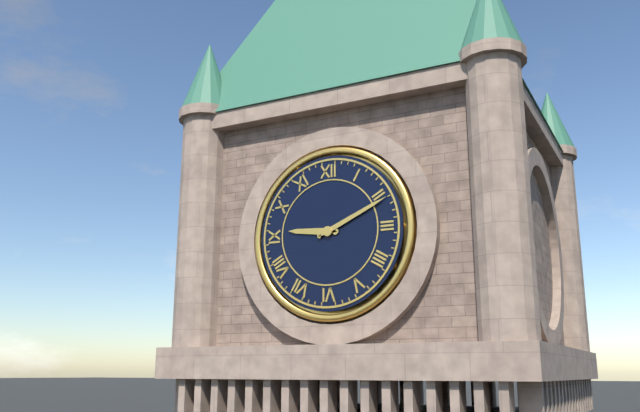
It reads **9:11**
